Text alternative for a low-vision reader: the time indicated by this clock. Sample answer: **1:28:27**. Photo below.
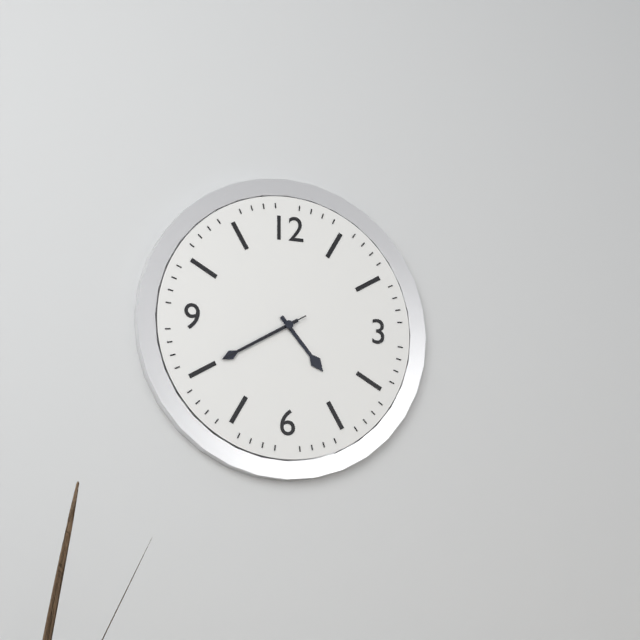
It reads **4:40:40**
